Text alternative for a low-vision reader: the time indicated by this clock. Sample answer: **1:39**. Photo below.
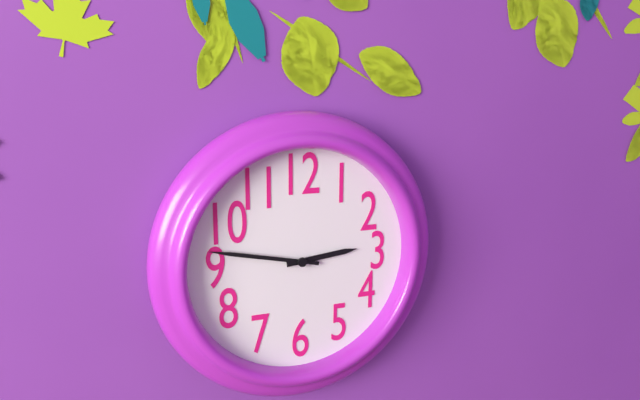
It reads **2:47**
